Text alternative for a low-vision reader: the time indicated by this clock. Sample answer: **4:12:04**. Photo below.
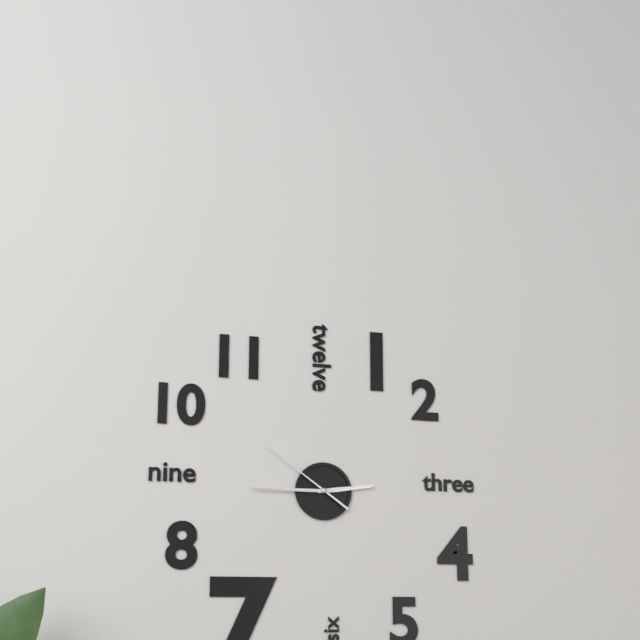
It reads **2:45:51**
